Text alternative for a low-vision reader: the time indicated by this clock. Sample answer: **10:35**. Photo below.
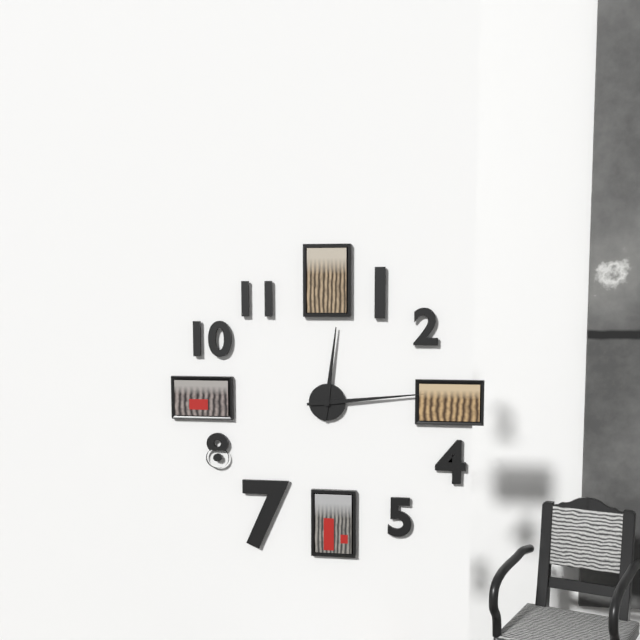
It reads **12:14**
